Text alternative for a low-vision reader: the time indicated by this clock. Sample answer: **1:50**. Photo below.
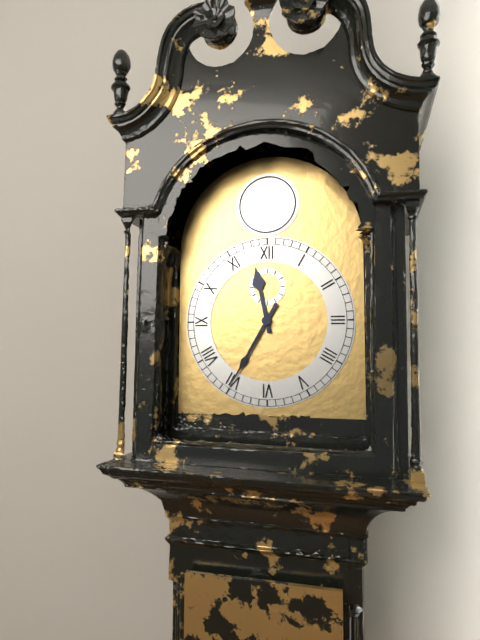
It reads **11:35**
